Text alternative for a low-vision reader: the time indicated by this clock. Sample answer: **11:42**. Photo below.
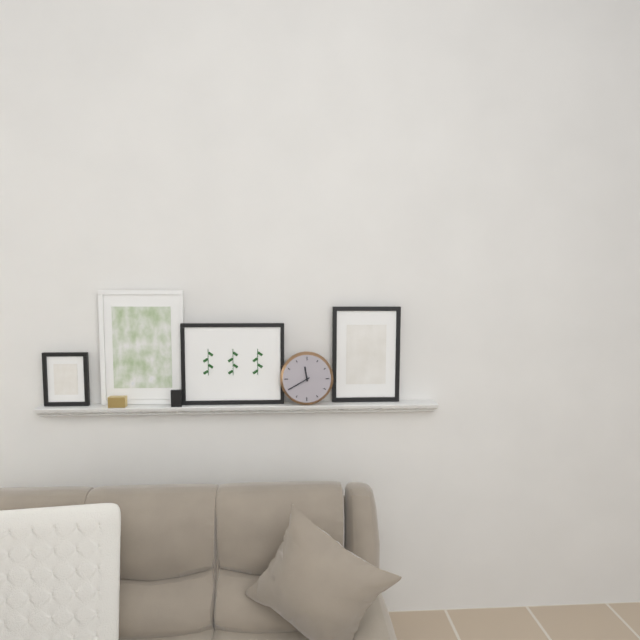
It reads **11:40**
